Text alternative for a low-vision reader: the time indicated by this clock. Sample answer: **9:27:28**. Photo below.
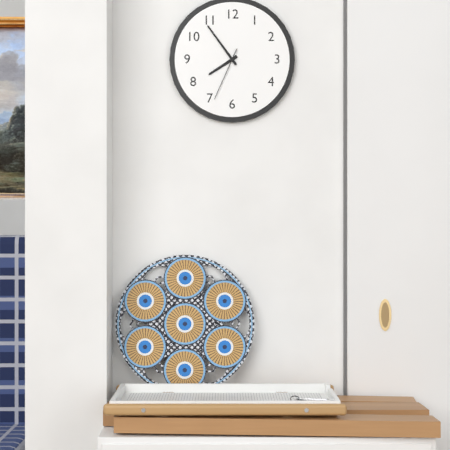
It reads **7:54:34**
